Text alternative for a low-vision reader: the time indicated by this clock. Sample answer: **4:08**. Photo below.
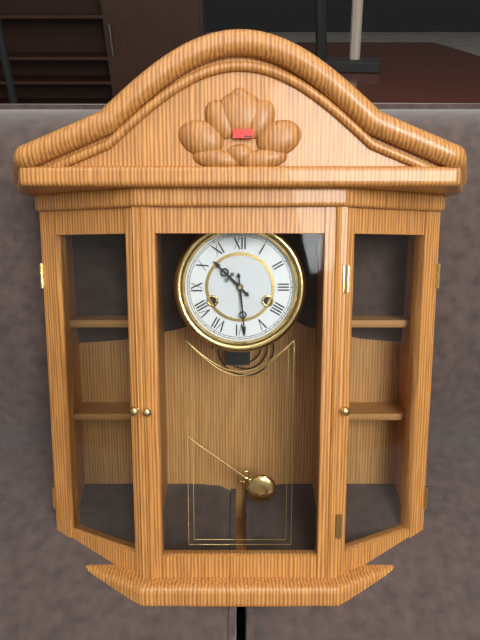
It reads **10:29**
